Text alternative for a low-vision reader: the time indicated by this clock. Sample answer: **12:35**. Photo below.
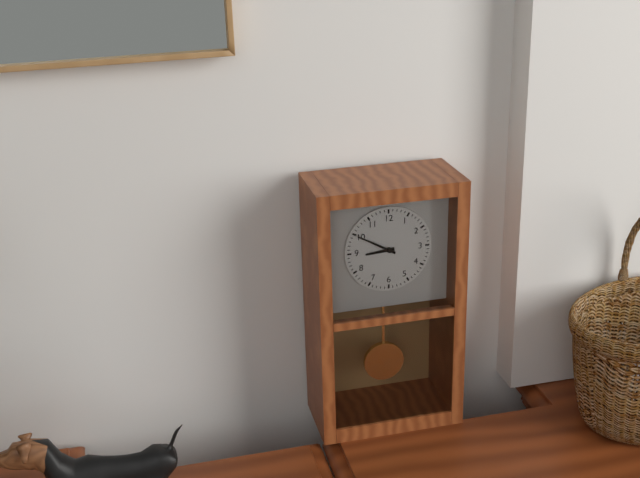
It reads **8:50**
